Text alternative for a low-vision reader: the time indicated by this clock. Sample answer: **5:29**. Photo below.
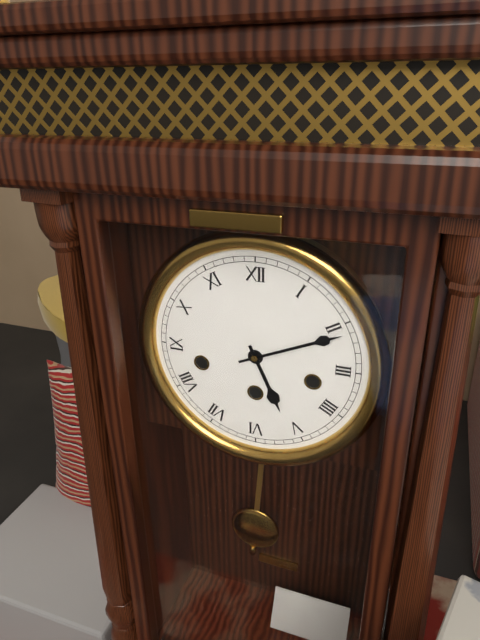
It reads **5:11**
